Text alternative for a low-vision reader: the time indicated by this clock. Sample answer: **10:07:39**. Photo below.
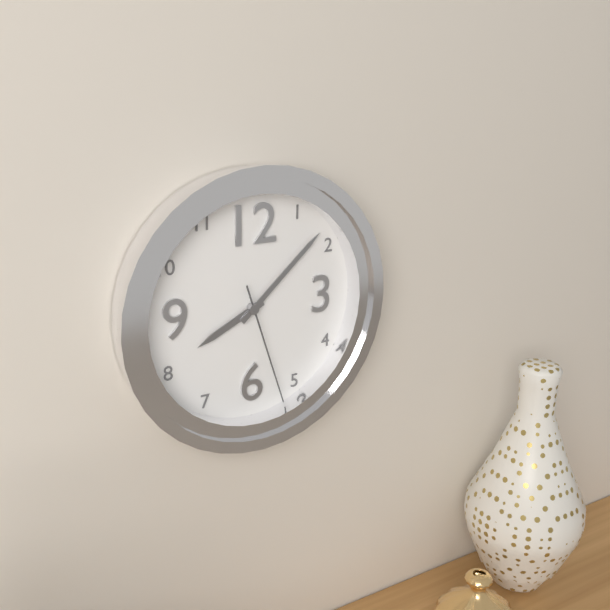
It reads **8:08:27**
